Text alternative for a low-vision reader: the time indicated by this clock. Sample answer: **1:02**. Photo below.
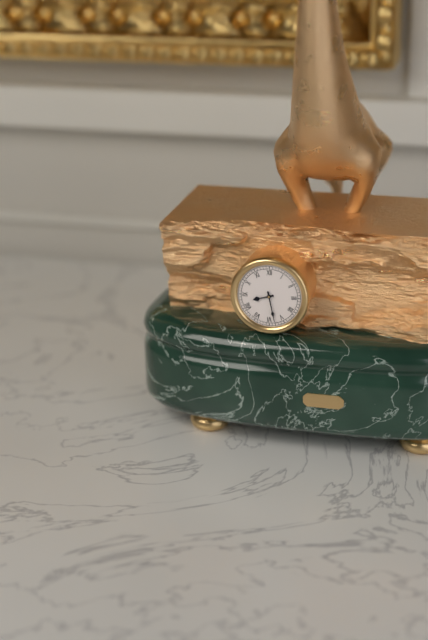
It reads **8:28**
